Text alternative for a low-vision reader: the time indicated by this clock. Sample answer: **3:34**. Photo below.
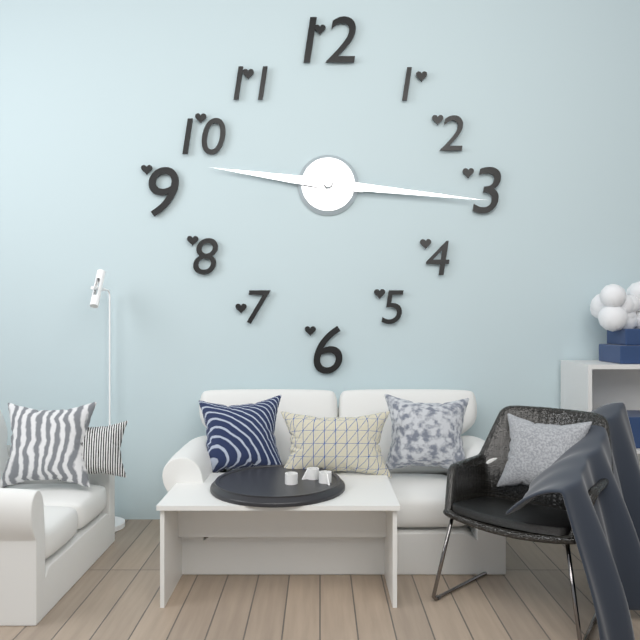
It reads **9:16**
